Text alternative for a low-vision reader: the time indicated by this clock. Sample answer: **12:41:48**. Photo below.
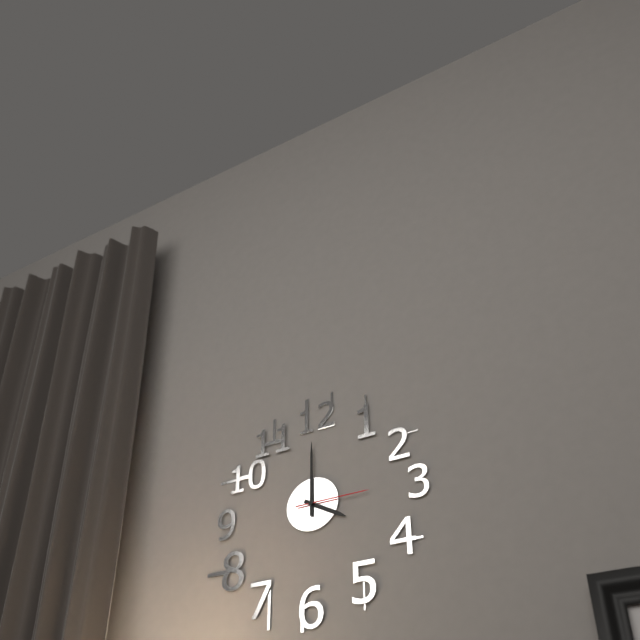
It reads **4:00:15**
